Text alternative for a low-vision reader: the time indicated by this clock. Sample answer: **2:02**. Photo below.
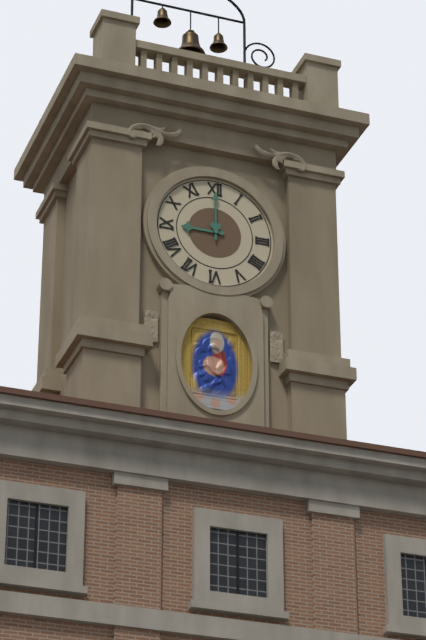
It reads **9:00**
